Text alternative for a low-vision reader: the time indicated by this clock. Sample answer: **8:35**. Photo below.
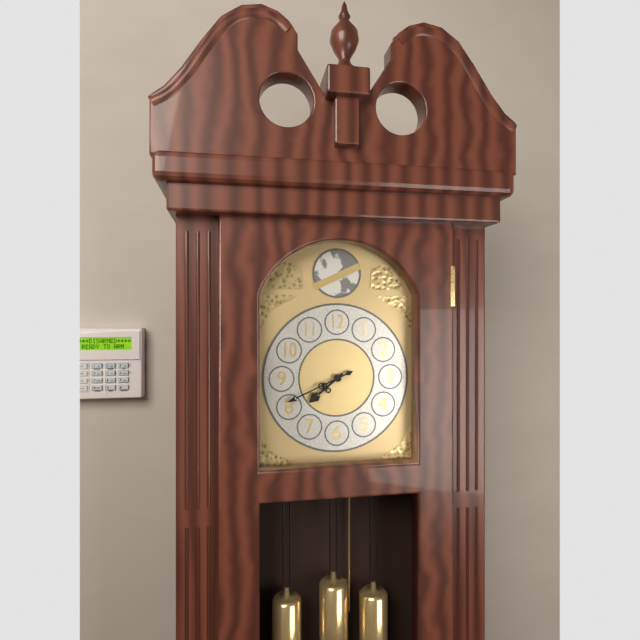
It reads **7:41**
